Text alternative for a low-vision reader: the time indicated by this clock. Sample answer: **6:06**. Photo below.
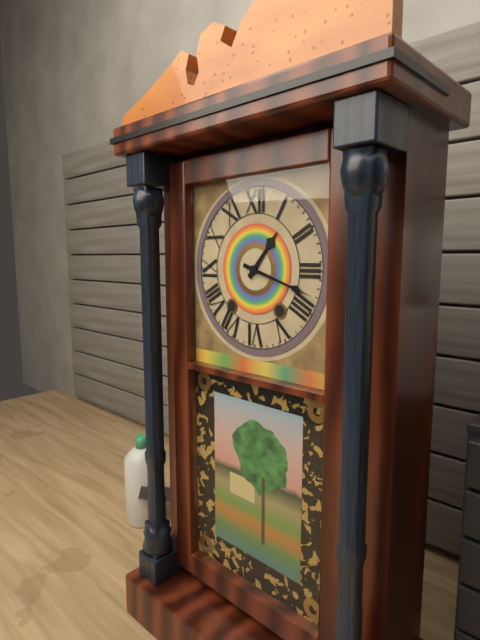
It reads **1:18**
